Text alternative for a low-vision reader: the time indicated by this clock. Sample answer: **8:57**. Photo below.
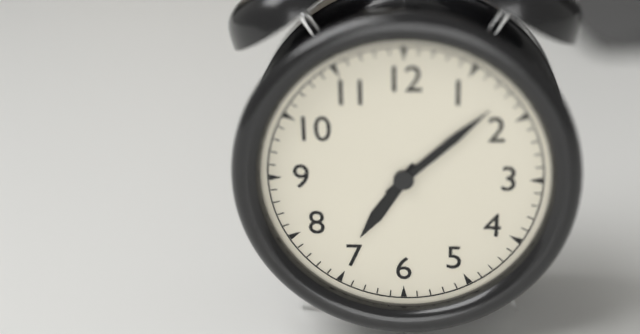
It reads **7:08**
